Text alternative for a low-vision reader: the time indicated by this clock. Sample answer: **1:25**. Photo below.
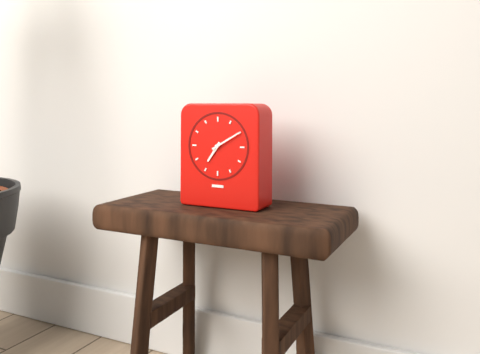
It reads **7:10**
